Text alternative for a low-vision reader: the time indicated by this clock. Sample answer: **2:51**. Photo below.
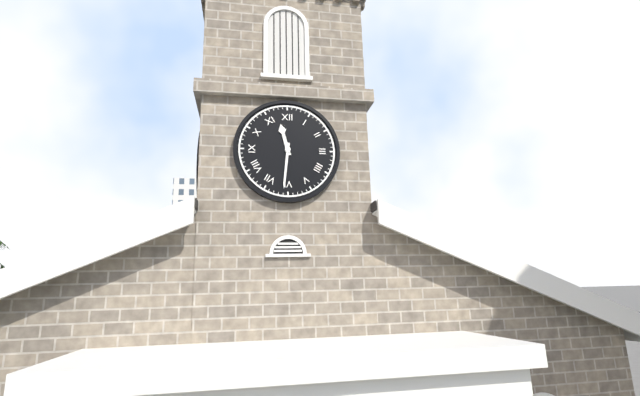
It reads **11:31**
